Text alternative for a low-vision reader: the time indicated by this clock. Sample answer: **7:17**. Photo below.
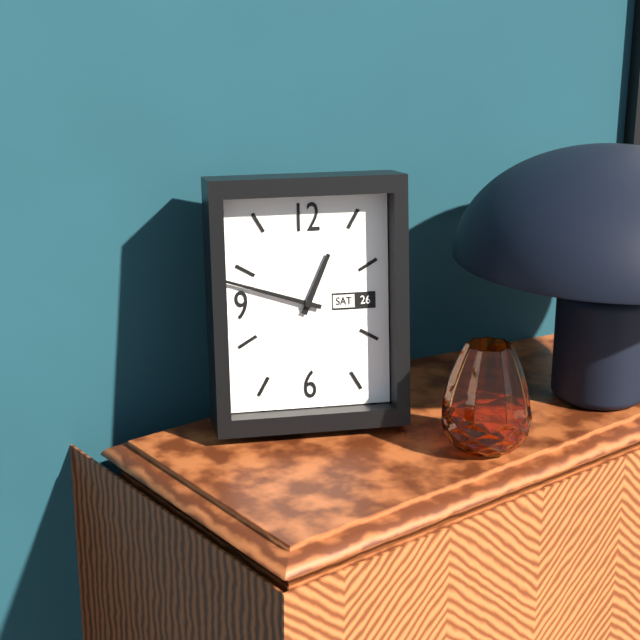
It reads **12:48**
